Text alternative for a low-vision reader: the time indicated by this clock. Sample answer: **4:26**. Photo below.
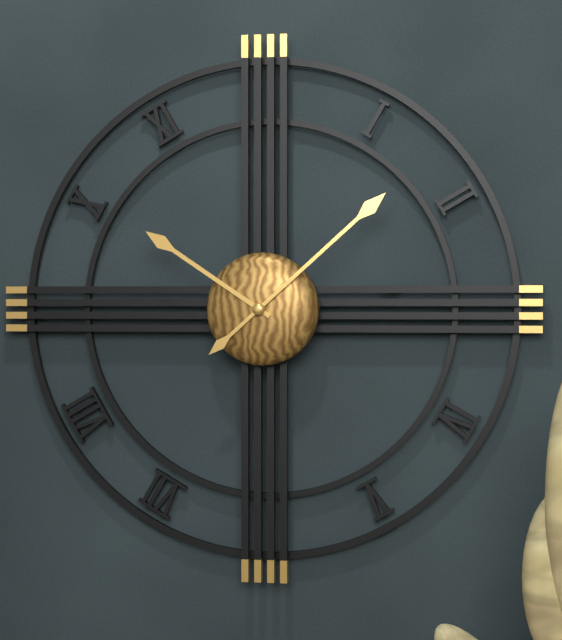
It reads **10:08**
